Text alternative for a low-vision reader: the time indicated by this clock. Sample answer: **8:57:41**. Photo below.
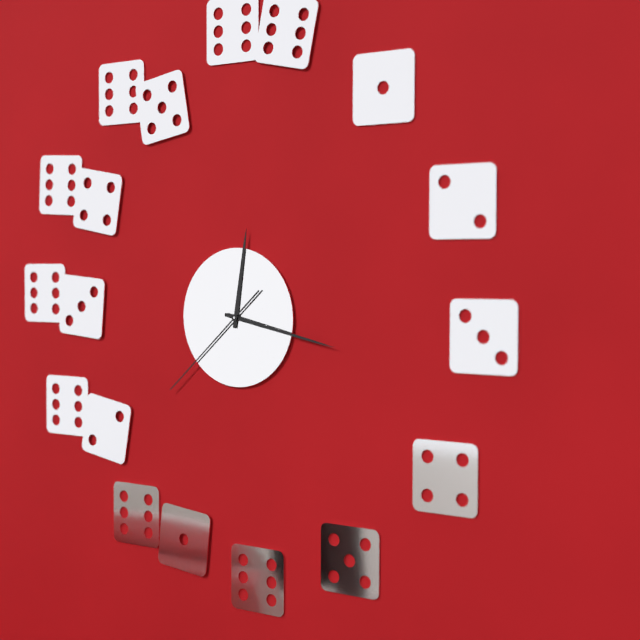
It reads **12:17:38**
